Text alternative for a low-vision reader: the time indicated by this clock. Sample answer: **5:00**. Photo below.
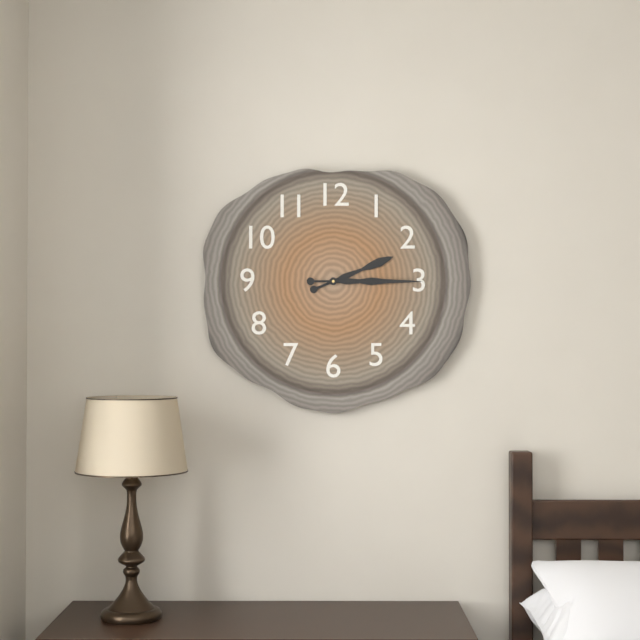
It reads **2:15**
